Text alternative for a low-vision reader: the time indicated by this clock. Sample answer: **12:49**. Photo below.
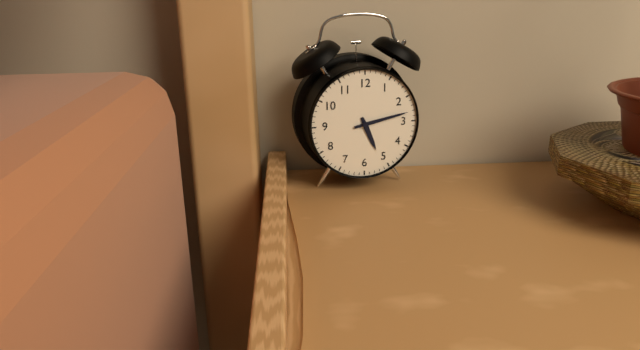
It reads **5:13**
